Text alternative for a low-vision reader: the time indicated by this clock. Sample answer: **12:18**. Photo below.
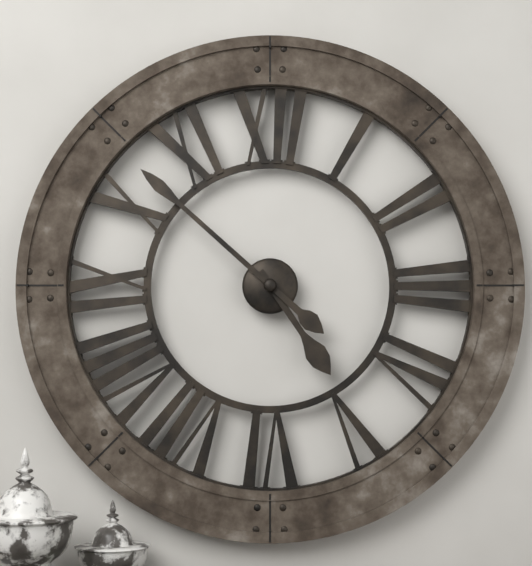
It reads **4:52**
